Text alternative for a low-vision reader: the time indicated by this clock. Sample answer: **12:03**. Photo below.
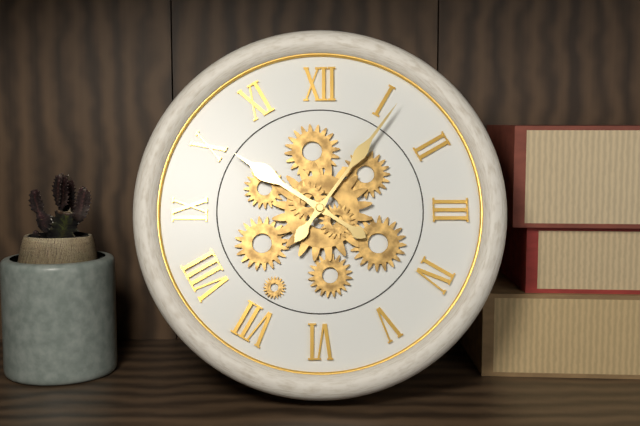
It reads **10:06**
